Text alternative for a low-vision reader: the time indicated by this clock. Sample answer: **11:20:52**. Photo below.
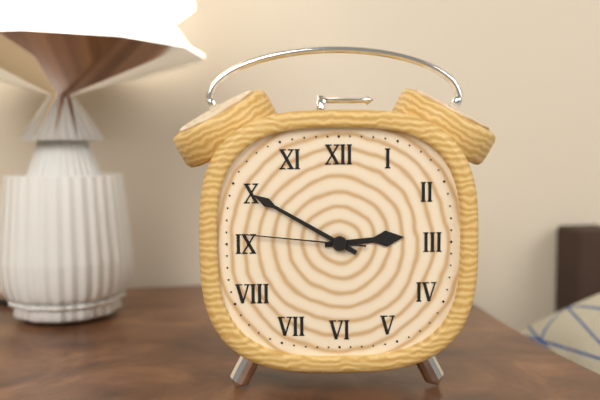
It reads **2:50:46**
